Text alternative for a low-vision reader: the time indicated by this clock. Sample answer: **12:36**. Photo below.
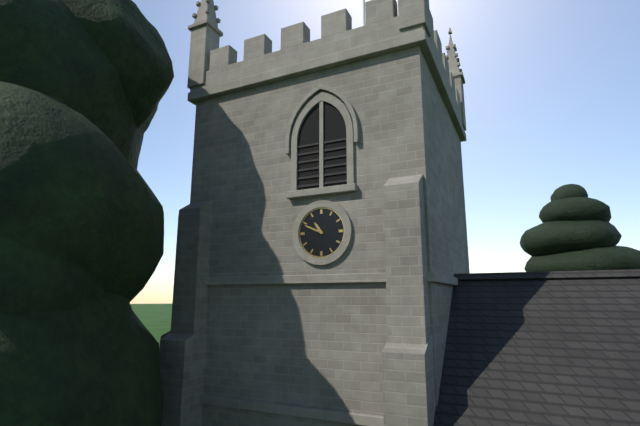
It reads **10:49**
